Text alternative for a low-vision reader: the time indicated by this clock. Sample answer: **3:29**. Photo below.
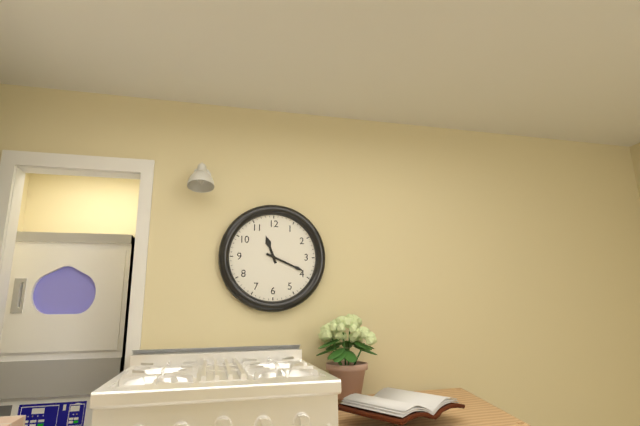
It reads **11:19**
